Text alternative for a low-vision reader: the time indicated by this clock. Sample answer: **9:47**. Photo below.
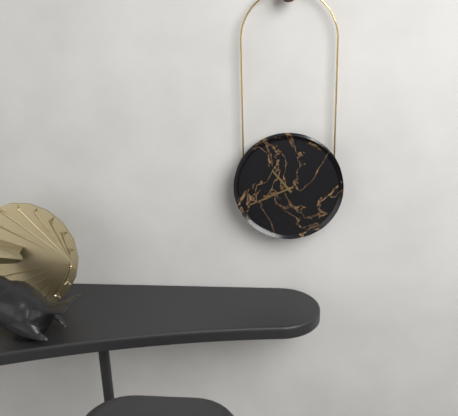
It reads **10:41**
